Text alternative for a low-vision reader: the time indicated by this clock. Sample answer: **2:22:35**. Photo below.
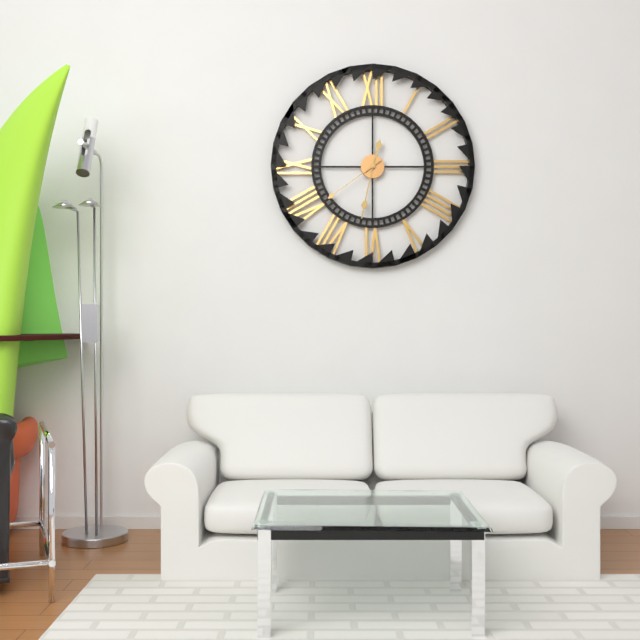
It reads **12:32:39**
